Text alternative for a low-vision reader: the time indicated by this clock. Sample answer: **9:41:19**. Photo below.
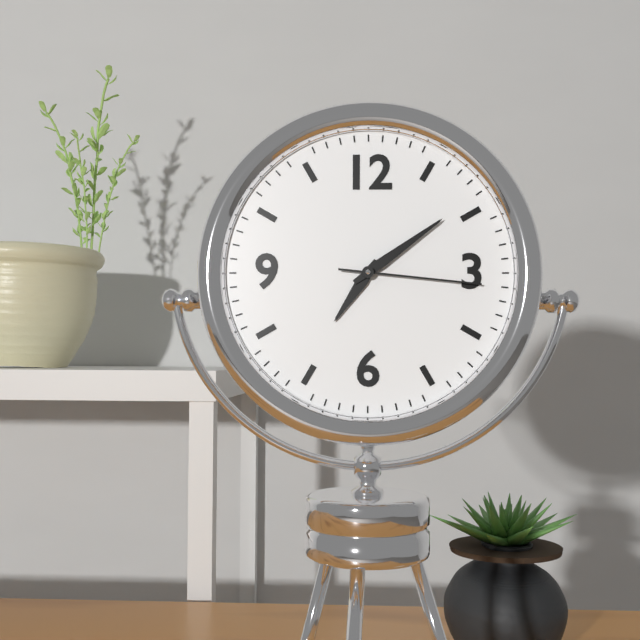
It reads **7:09:16**
